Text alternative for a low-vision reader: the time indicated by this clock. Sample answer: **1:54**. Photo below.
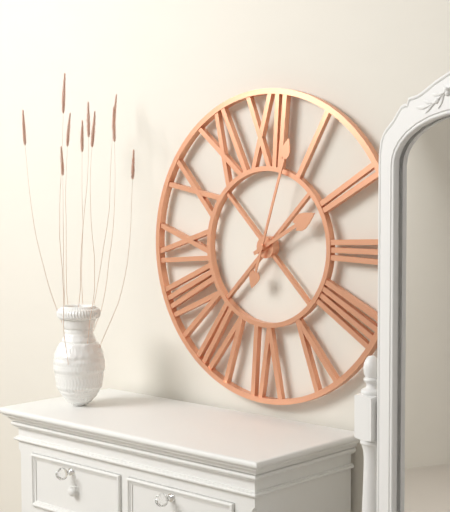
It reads **2:03**
